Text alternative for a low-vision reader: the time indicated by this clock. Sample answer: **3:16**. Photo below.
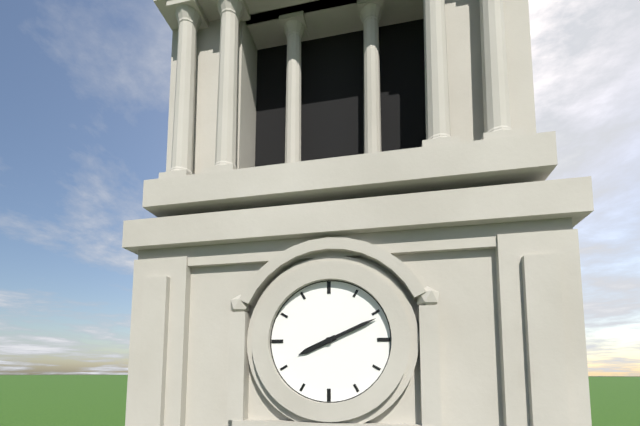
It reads **8:11**
